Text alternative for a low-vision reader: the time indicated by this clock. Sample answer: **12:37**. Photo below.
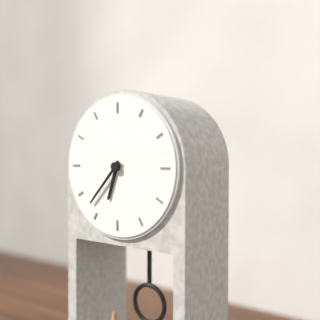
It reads **6:37**
